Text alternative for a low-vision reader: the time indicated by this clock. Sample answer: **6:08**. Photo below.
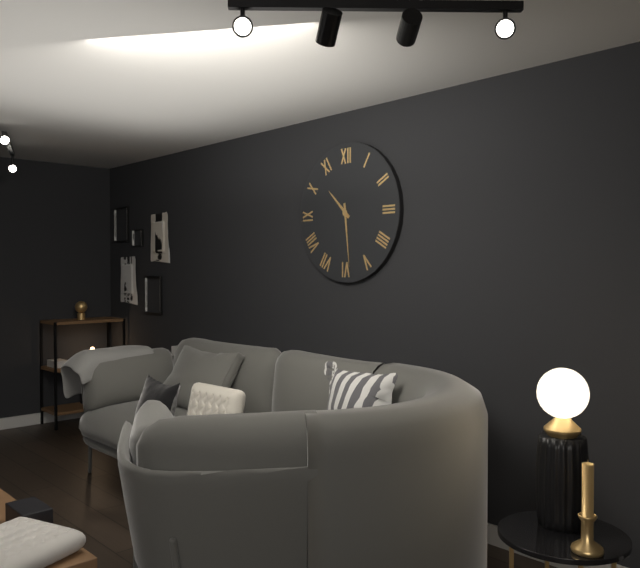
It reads **10:29**
